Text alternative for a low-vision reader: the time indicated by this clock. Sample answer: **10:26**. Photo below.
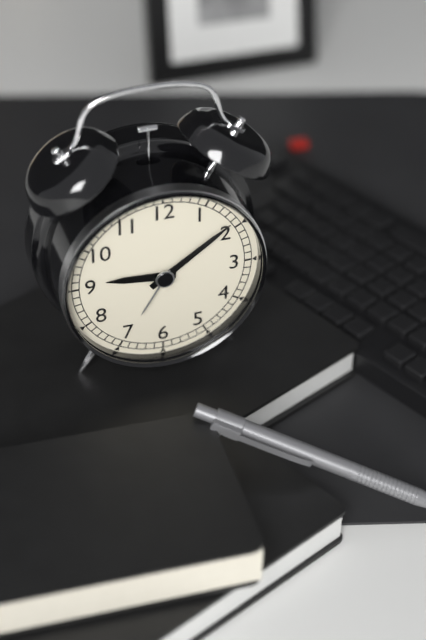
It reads **9:09**
